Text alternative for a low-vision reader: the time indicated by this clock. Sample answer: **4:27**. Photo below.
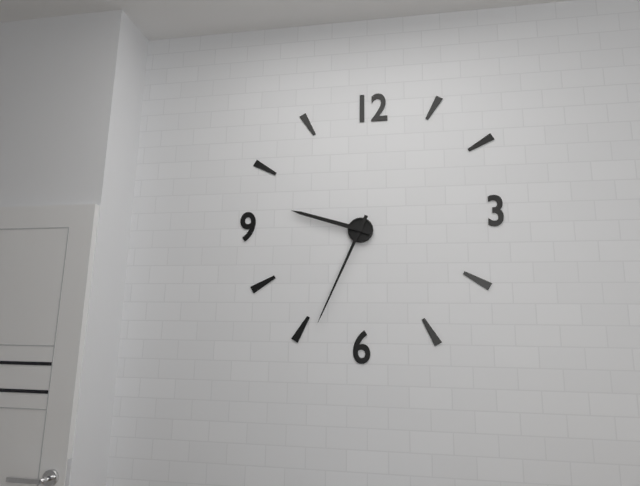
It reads **9:34**
